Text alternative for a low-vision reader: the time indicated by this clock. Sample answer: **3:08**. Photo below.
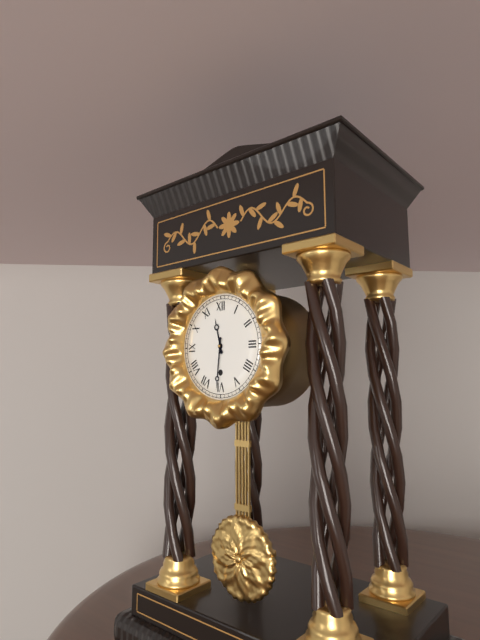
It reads **11:31**
